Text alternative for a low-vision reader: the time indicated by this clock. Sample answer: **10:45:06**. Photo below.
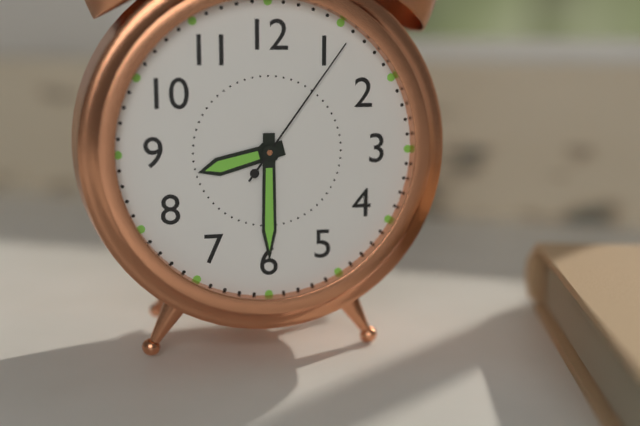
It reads **8:30:06**
